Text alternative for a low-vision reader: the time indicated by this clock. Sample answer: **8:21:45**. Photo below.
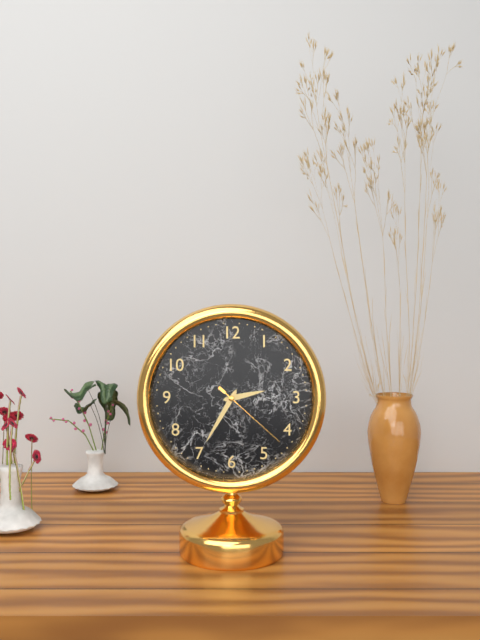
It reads **2:35:22**
